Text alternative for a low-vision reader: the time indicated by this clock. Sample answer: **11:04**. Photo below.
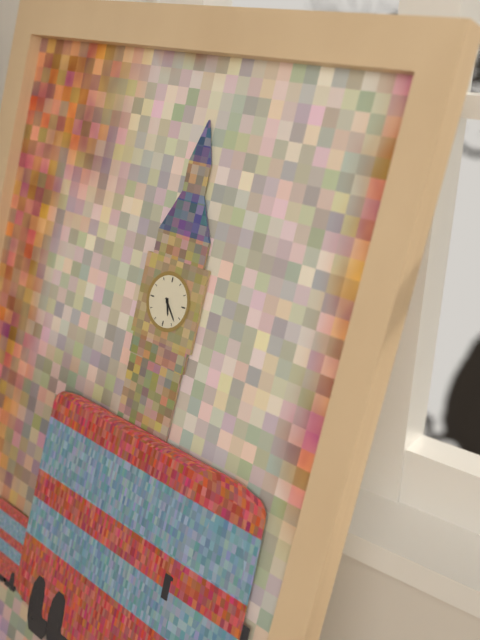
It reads **5:23**
